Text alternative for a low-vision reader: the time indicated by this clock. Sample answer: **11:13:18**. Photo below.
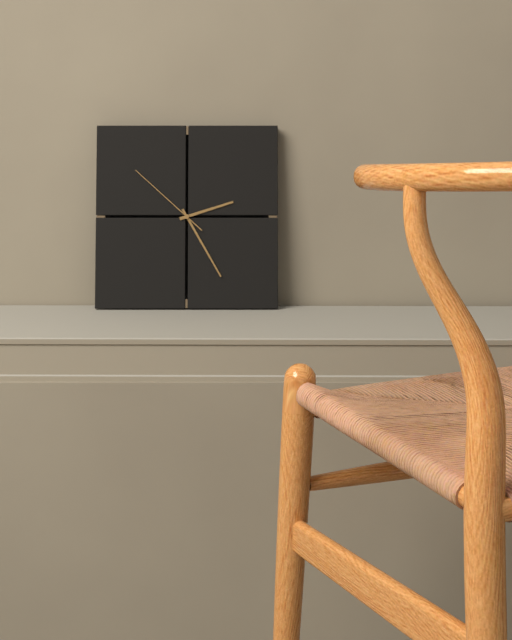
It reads **2:25:52**
